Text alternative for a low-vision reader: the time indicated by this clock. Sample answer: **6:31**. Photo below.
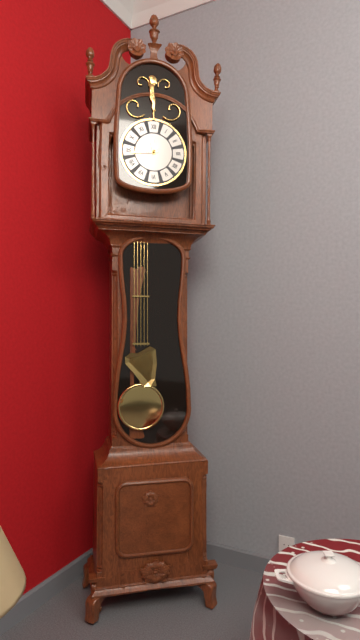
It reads **11:44**
